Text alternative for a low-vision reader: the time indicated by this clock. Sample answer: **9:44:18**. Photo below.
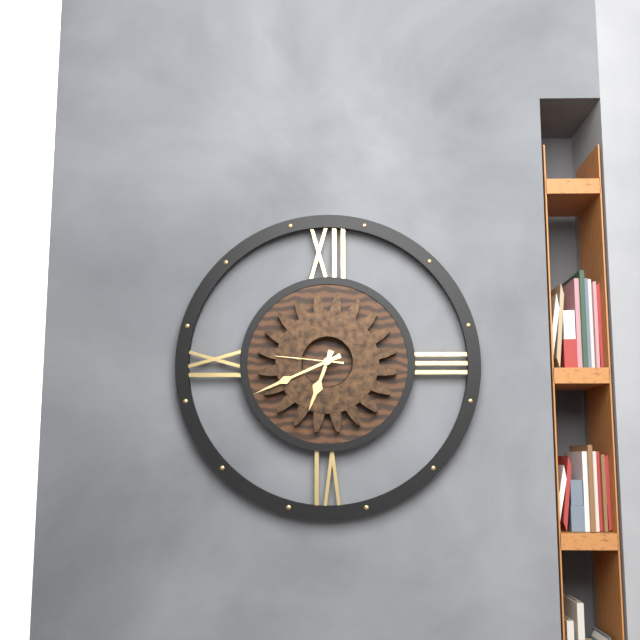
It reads **6:41:46**
